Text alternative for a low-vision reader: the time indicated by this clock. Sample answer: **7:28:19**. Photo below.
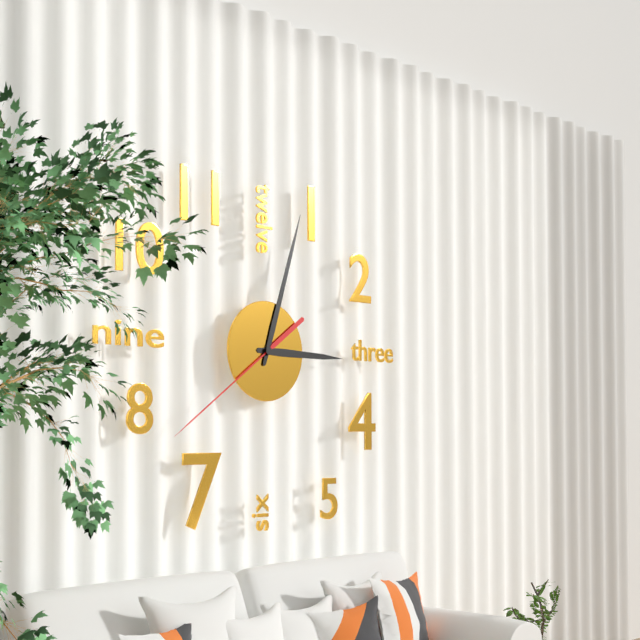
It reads **3:03:39**
